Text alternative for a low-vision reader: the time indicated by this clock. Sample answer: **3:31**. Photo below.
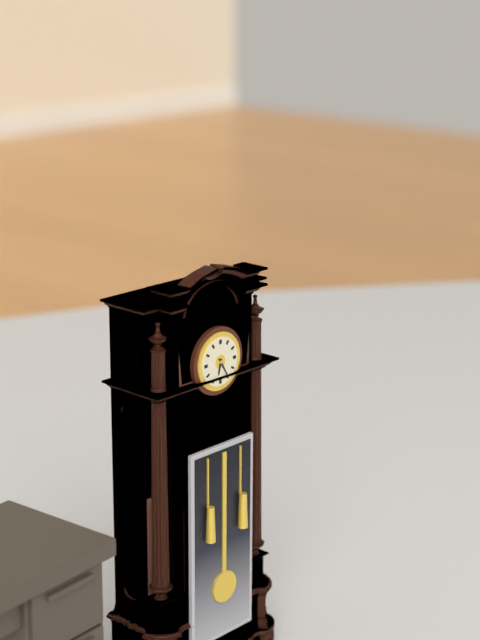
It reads **6:25**
